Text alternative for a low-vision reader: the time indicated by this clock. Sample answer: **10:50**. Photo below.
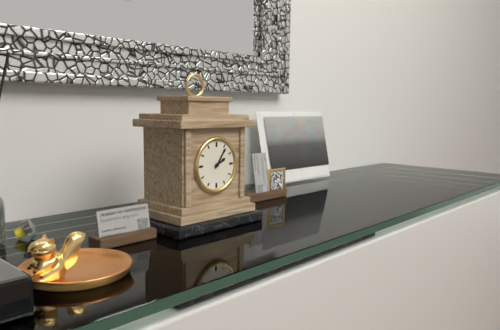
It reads **2:06**
